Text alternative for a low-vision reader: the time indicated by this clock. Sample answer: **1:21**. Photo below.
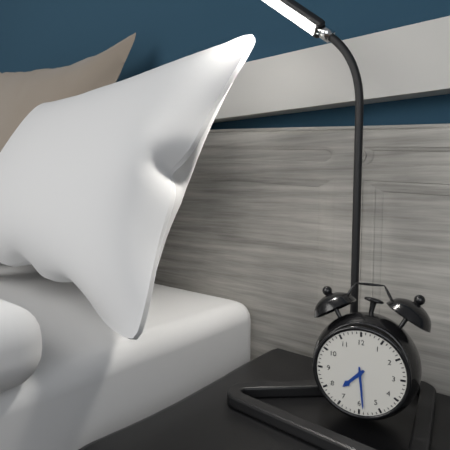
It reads **7:29**
